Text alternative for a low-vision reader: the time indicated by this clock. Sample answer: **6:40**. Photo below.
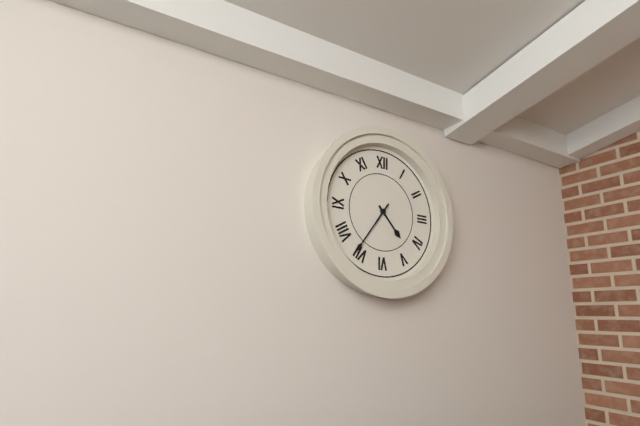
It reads **4:36**
